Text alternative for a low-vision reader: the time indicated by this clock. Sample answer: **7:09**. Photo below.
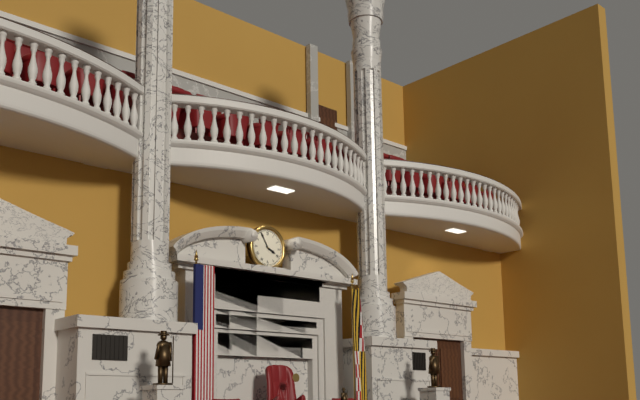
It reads **3:55**
